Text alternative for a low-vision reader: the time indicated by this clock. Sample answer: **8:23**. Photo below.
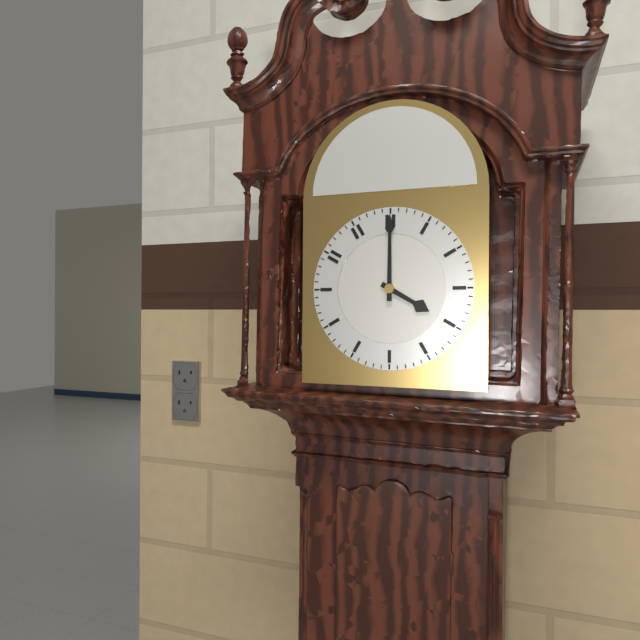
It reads **4:00**
